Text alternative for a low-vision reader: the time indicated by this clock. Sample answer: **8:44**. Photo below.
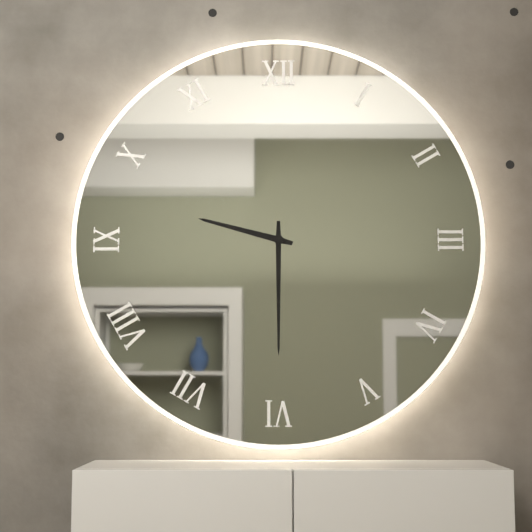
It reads **9:30**
